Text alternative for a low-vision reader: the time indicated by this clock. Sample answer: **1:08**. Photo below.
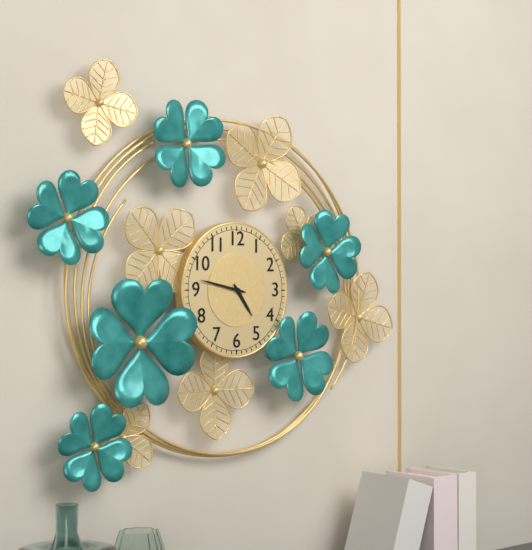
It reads **4:47**
